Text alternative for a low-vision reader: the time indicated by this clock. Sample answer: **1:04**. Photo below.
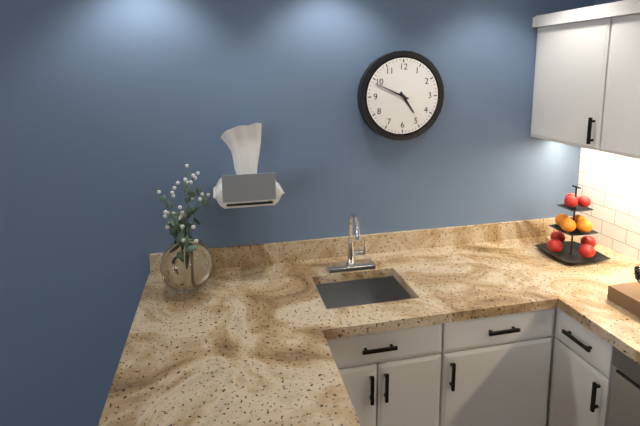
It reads **4:49**
